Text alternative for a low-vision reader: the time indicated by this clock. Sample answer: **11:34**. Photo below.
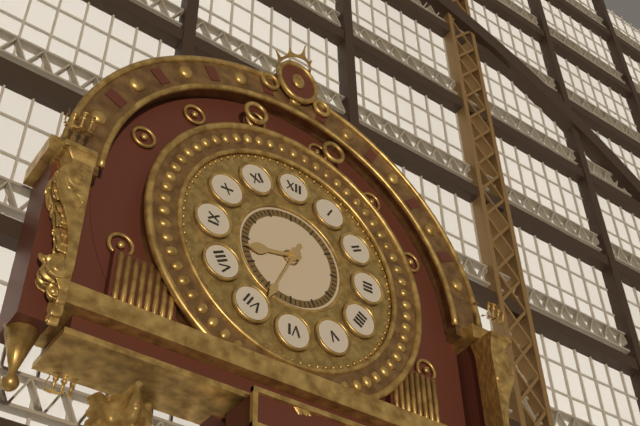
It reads **8:34**
